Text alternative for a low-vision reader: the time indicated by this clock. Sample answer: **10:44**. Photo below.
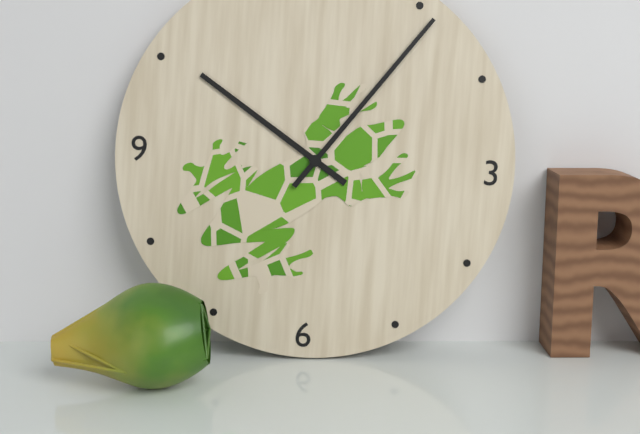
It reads **10:06**
